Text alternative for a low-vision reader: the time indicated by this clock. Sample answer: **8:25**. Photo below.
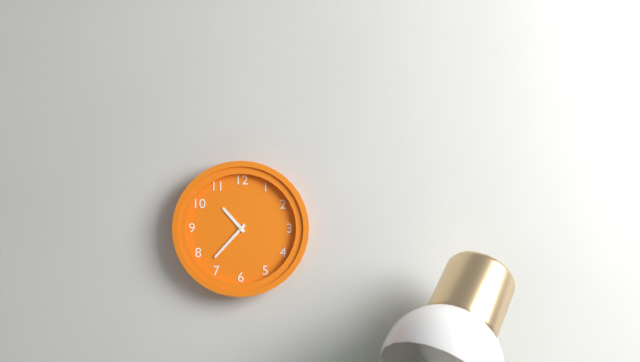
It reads **10:37**
